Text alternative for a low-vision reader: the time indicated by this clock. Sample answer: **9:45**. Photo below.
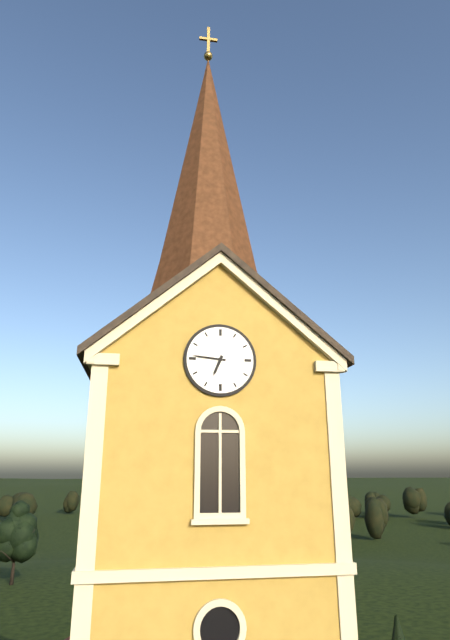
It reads **6:46**
